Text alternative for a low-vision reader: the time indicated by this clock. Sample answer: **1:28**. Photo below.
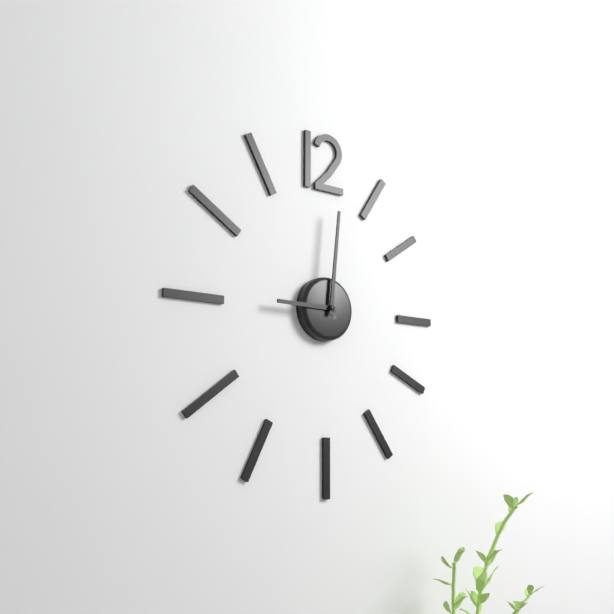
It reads **9:01**
